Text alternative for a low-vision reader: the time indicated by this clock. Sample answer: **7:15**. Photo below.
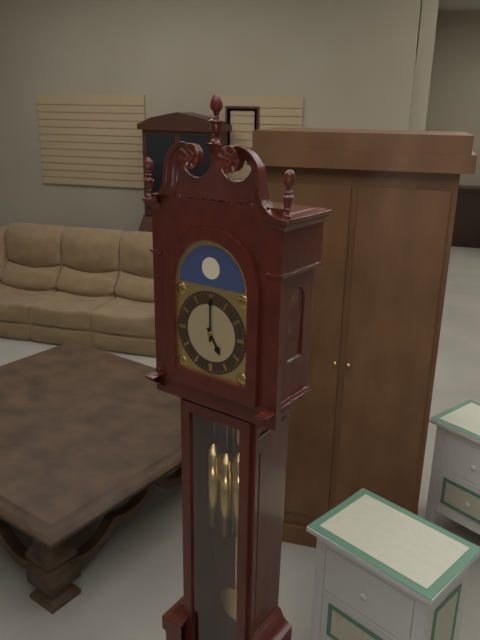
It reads **5:00**
